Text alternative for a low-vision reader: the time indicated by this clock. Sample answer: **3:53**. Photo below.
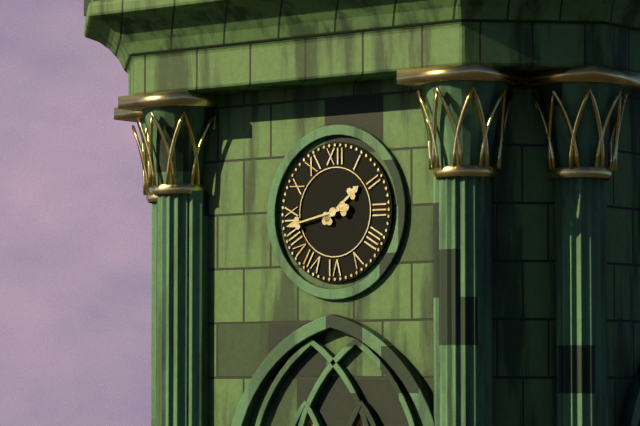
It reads **1:43**
